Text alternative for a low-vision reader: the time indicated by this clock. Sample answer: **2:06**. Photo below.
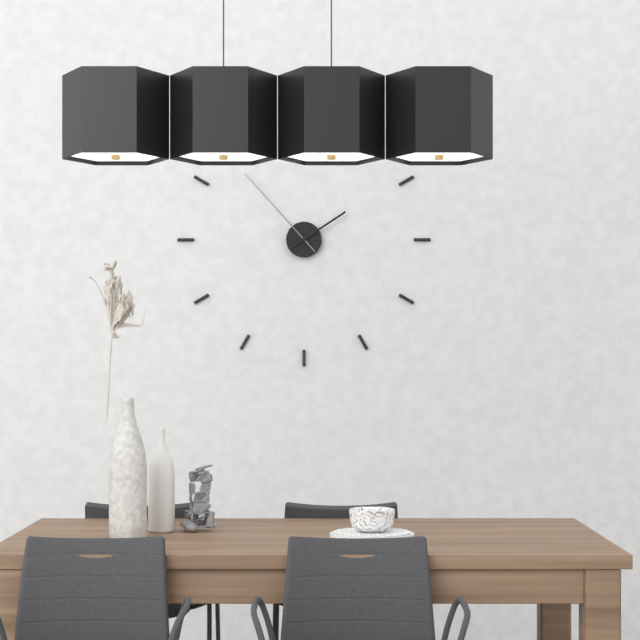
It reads **1:53**
